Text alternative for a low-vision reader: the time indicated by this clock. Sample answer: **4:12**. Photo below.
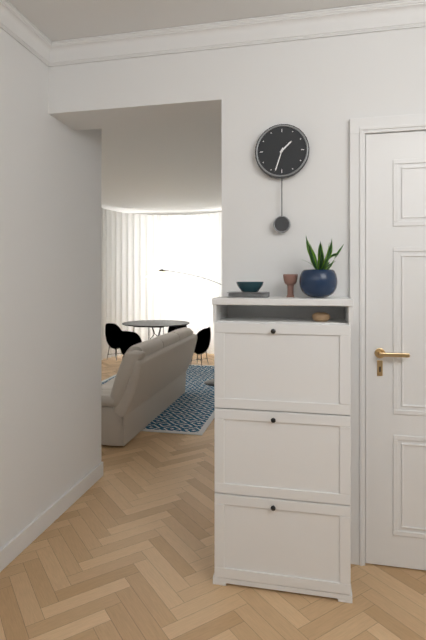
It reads **1:33**
